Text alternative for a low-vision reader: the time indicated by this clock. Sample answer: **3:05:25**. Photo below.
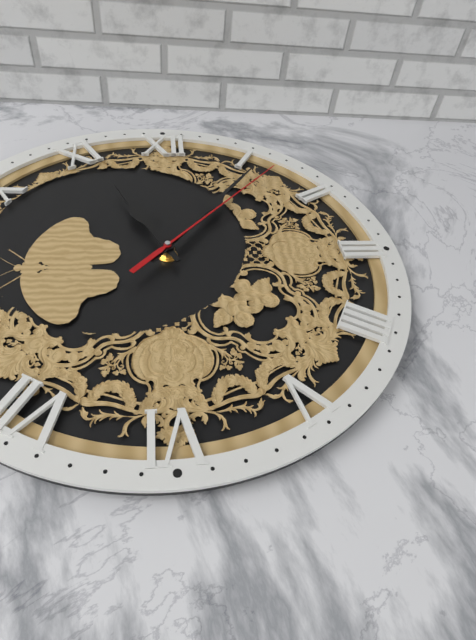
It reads **11:06:07**
